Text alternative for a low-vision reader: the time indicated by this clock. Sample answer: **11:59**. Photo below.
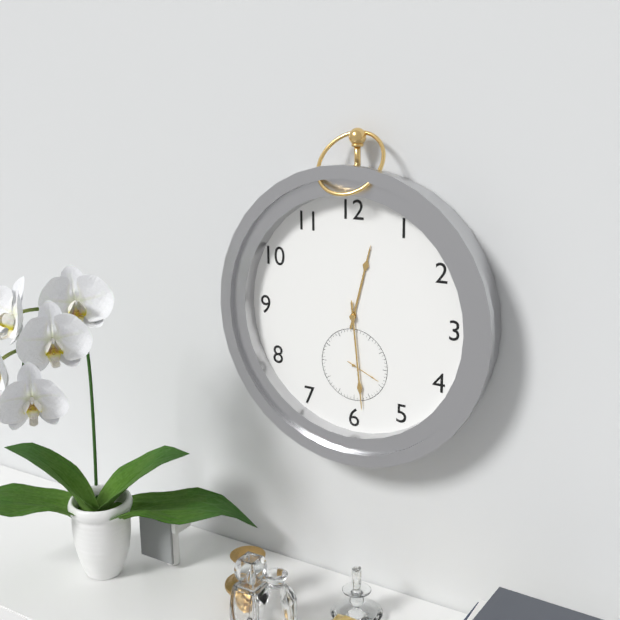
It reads **12:29**
